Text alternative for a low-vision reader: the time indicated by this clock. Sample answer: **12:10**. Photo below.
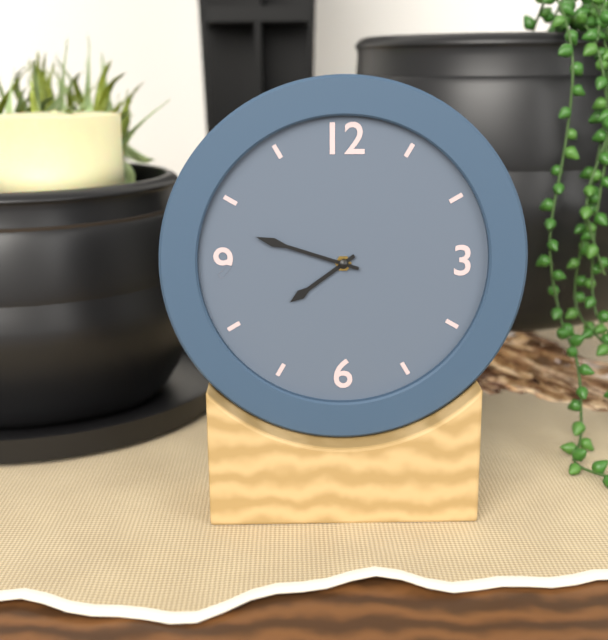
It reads **7:48**
